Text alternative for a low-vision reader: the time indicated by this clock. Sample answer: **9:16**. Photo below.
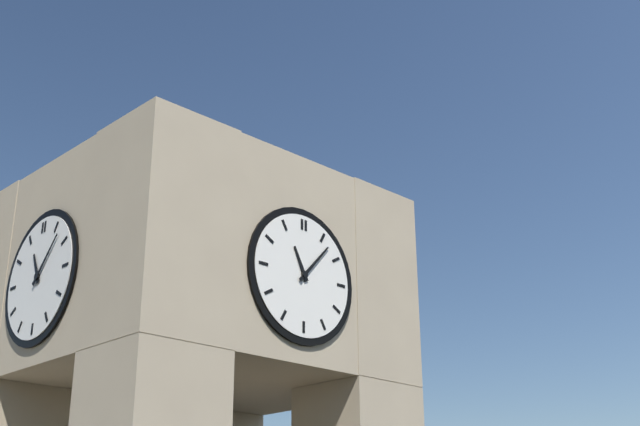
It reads **11:07**
